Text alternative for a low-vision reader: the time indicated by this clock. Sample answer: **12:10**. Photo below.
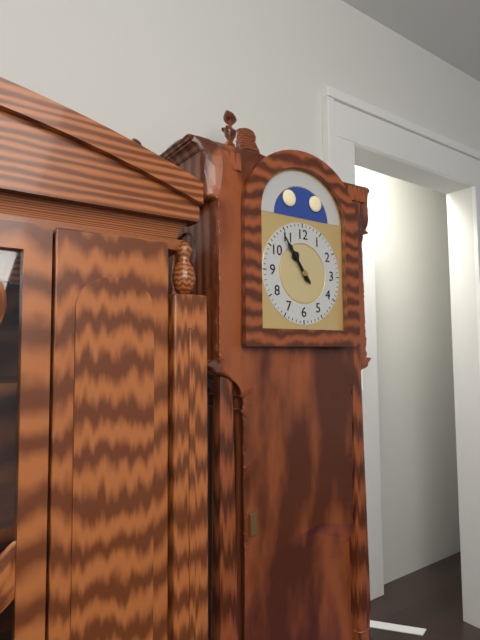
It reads **10:54**
